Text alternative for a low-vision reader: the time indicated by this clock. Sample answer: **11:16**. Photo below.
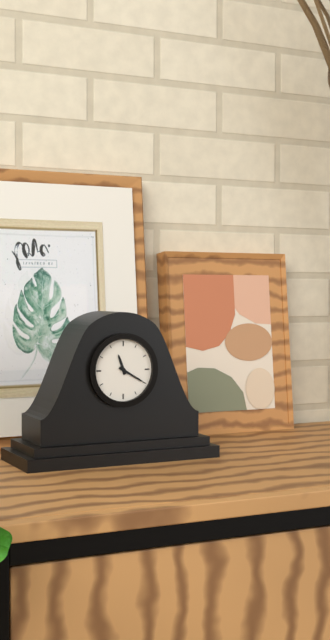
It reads **11:20**
